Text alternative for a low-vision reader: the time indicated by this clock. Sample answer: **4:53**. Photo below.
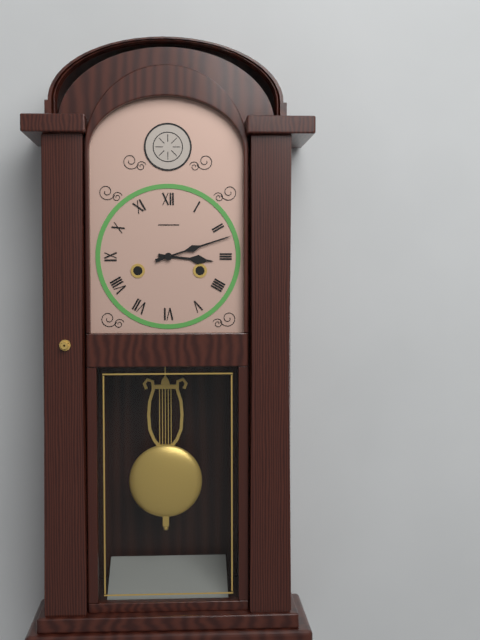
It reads **3:12**
